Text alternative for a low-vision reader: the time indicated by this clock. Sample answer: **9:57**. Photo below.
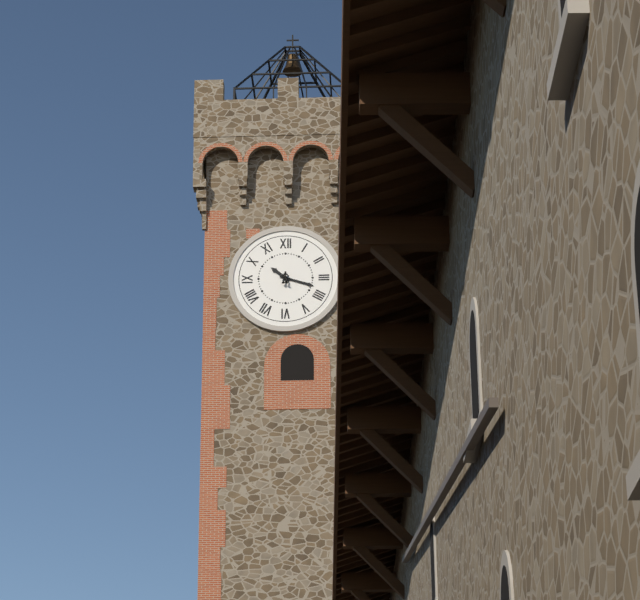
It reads **10:18**
